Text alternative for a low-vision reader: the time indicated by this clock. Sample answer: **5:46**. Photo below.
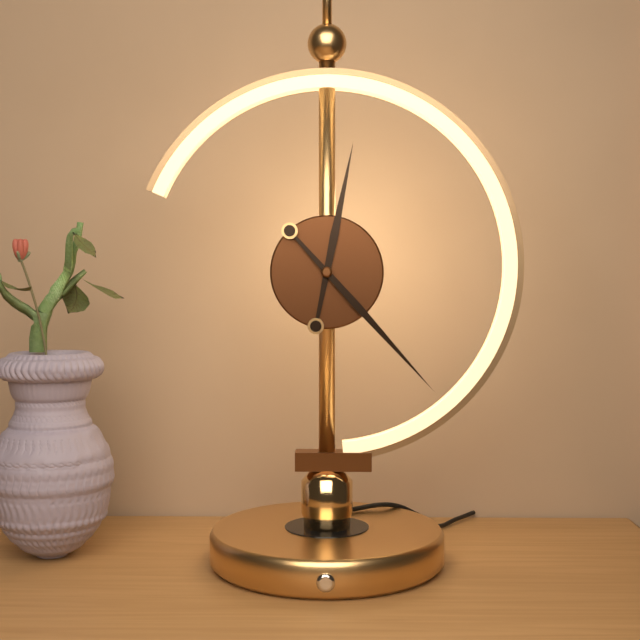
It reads **12:23**
